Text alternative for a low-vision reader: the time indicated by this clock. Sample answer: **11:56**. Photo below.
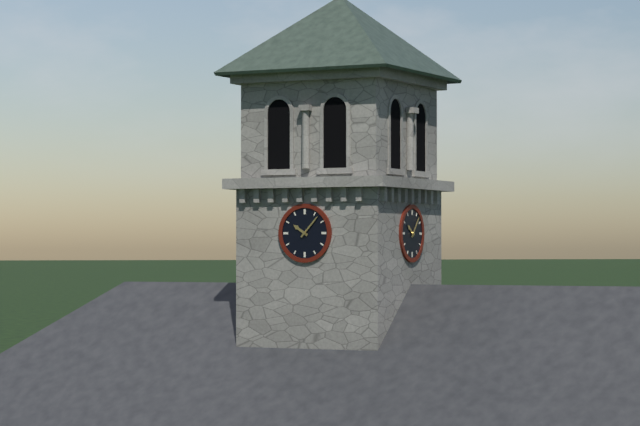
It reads **10:07**
